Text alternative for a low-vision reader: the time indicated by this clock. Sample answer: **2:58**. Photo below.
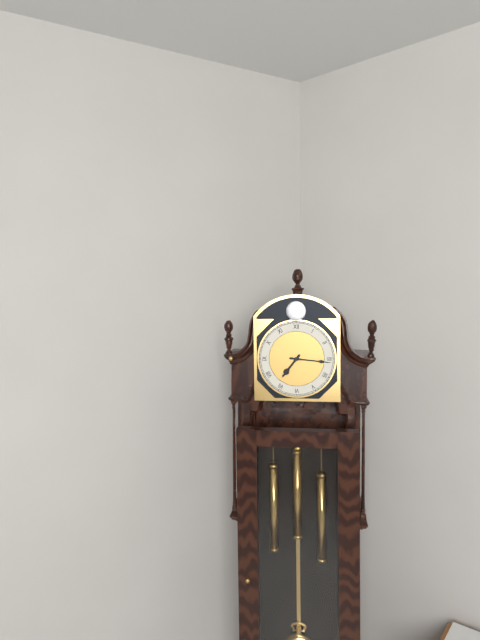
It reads **7:16**
